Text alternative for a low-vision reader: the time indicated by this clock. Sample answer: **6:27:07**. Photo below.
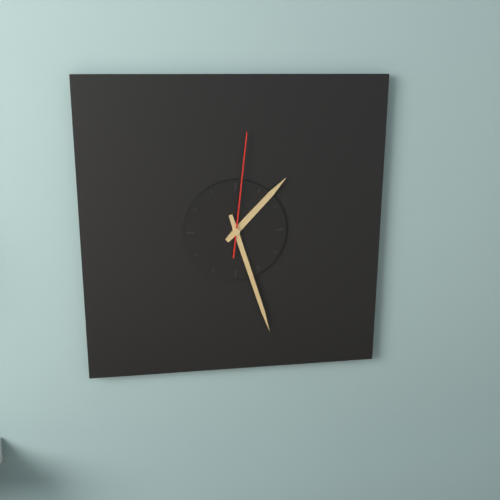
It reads **1:27:01**
